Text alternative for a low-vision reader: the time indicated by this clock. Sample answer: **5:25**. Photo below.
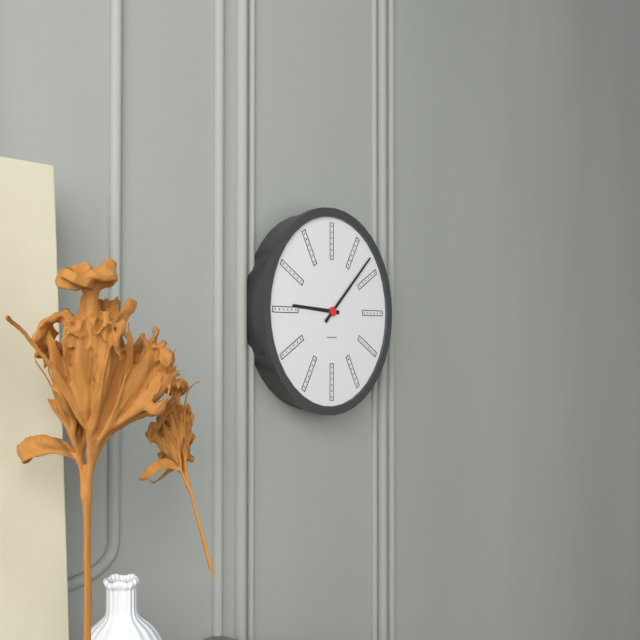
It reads **9:08**
